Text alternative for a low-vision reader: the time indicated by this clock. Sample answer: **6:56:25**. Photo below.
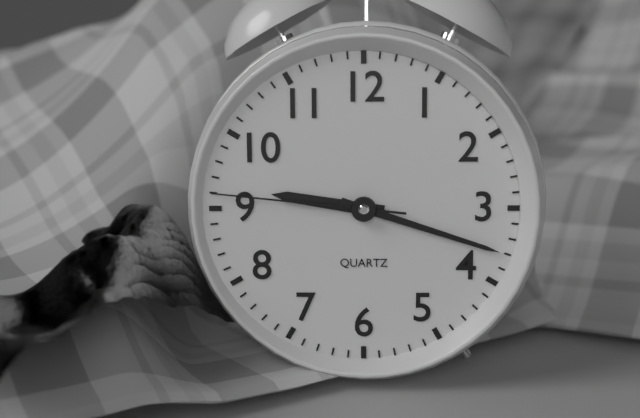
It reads **9:18:46**
